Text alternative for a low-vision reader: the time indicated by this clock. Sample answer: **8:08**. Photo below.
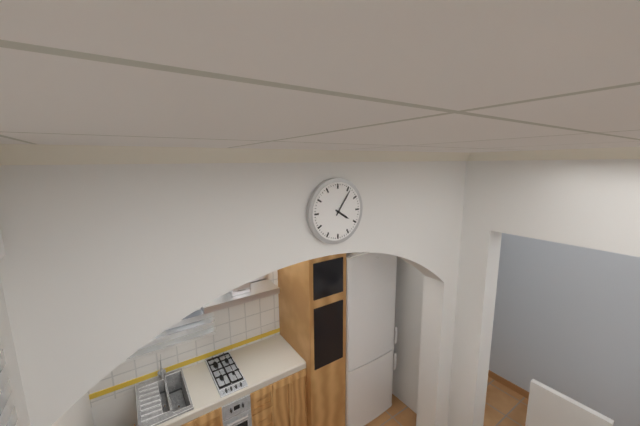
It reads **4:06**
